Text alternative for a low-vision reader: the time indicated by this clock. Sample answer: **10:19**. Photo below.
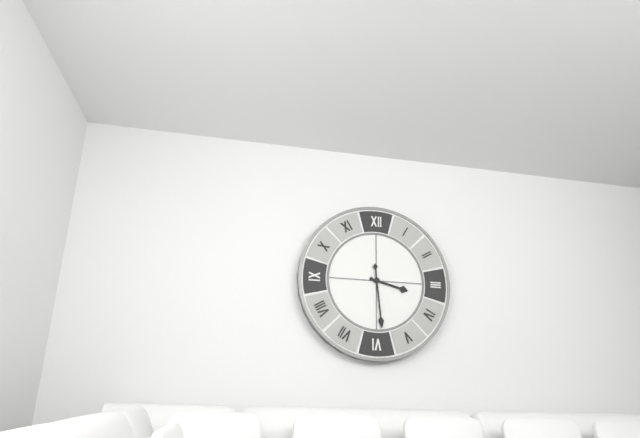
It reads **3:29**
